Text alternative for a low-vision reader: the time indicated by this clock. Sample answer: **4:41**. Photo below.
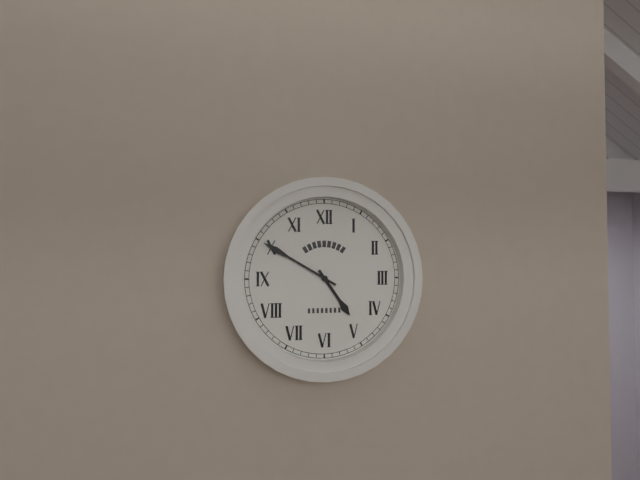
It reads **4:50**
